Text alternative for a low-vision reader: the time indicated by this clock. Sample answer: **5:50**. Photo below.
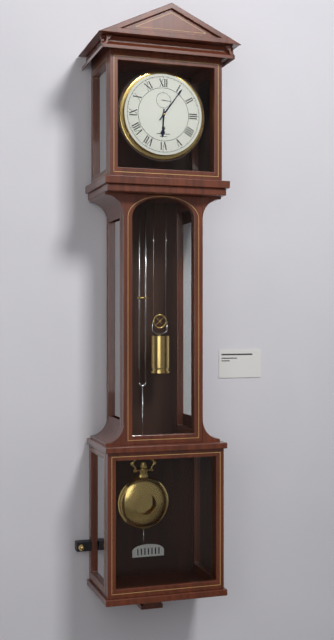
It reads **6:06**
